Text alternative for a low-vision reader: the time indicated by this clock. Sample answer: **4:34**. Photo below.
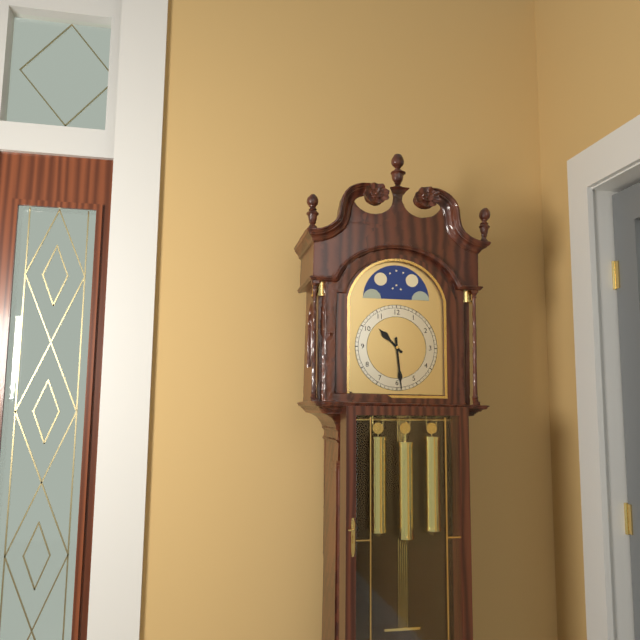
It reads **10:29**
